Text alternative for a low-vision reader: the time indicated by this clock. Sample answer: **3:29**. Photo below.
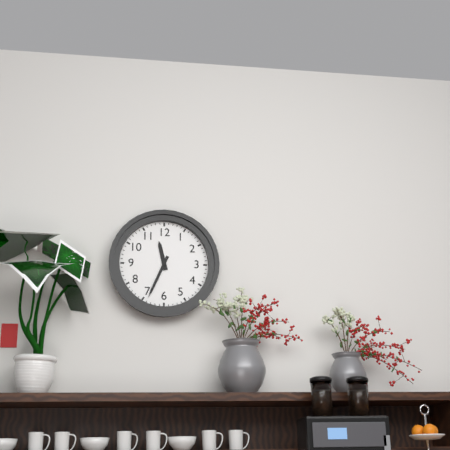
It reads **11:34**
